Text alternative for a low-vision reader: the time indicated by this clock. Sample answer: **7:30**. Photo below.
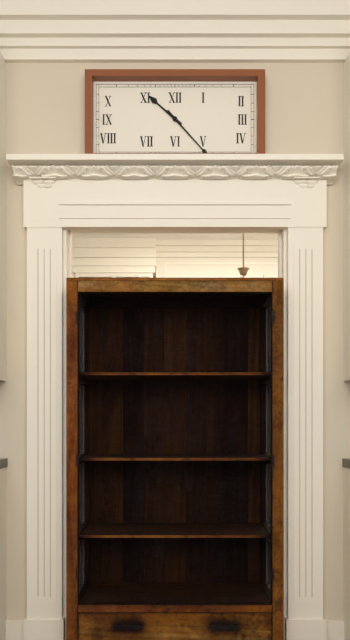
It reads **10:23**
